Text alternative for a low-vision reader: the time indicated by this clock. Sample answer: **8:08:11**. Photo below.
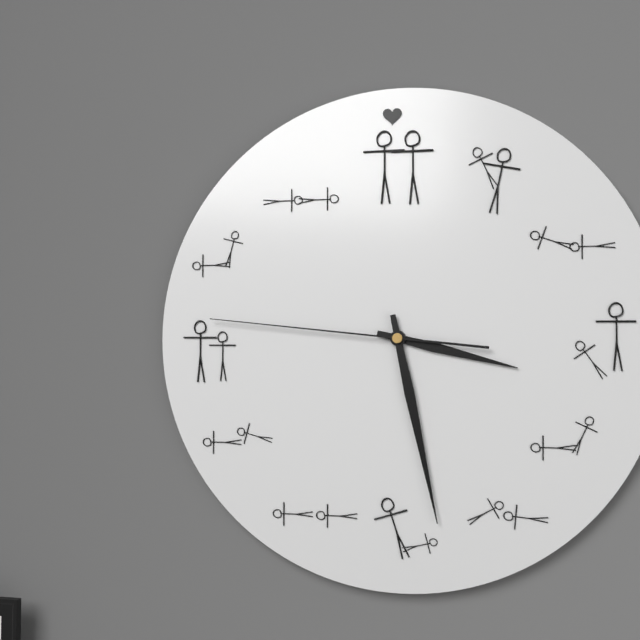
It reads **3:28:46**
